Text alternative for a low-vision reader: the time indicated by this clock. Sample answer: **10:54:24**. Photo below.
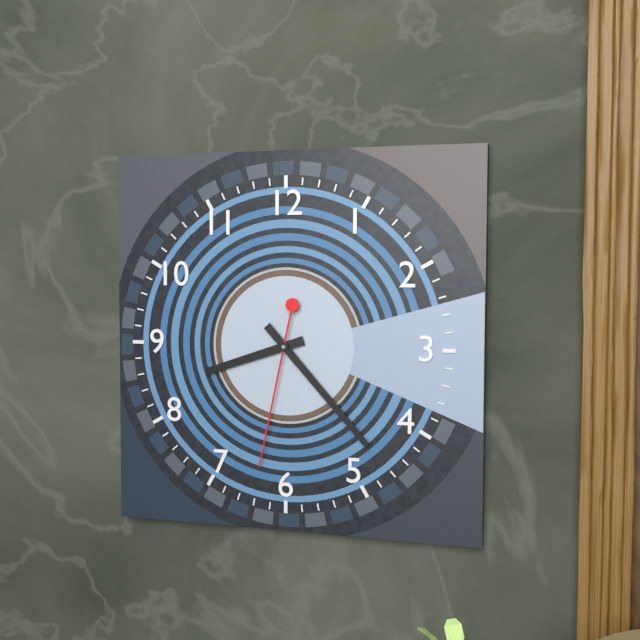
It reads **8:23:32**
